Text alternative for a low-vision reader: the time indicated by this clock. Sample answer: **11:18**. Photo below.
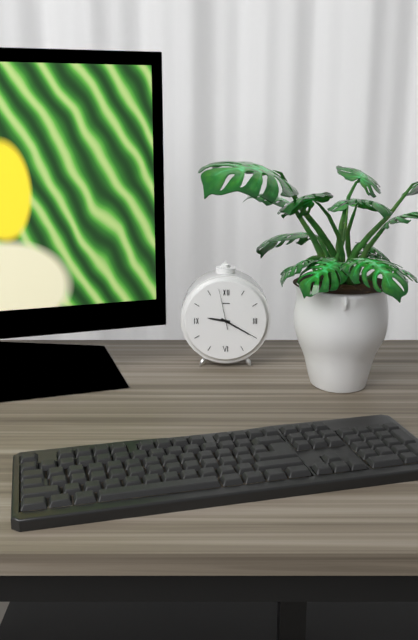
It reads **9:20**
